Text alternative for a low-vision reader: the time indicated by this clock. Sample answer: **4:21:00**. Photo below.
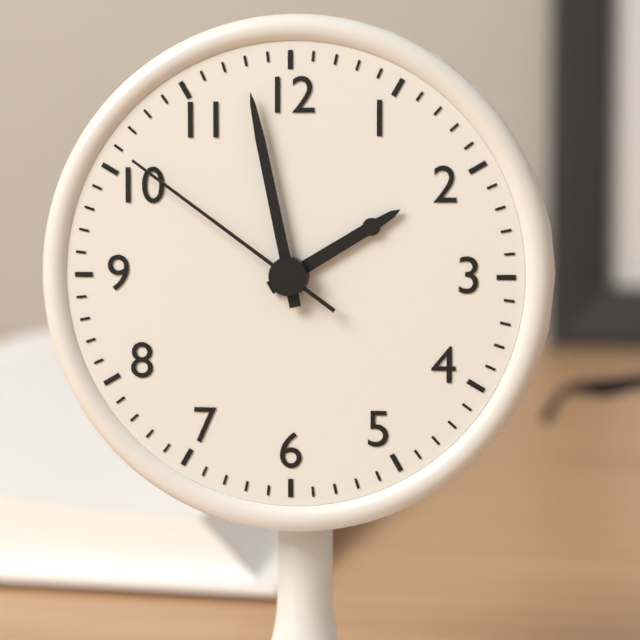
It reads **1:58:51**
